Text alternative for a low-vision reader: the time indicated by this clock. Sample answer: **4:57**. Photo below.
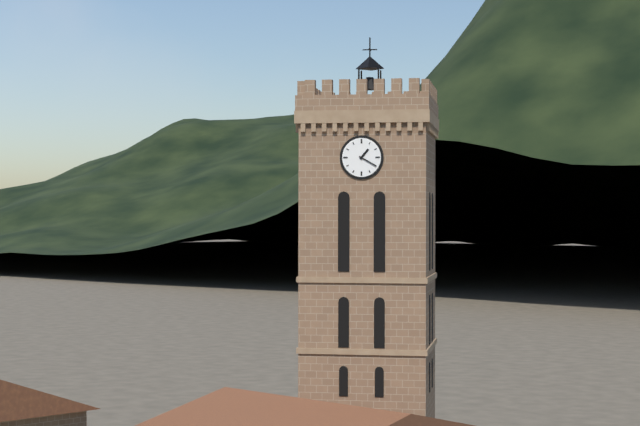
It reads **1:20**
